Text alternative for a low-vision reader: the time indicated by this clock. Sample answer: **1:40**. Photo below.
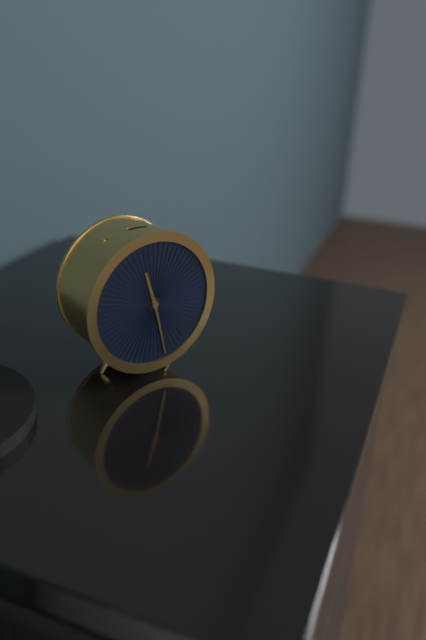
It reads **11:28**
